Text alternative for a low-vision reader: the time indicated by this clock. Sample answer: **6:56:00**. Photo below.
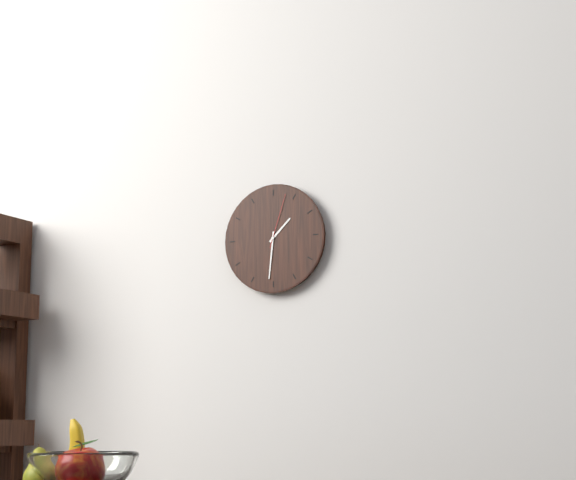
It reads **1:31:03**
